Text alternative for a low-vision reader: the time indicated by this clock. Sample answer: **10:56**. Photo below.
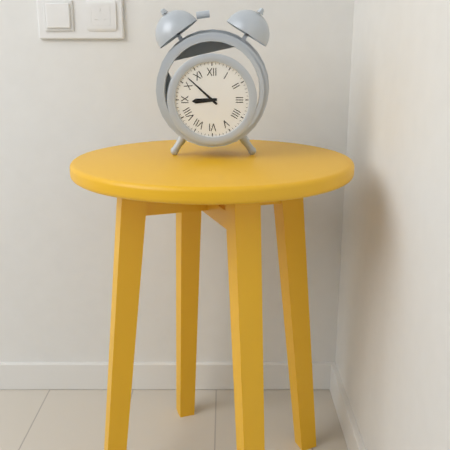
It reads **8:52**
